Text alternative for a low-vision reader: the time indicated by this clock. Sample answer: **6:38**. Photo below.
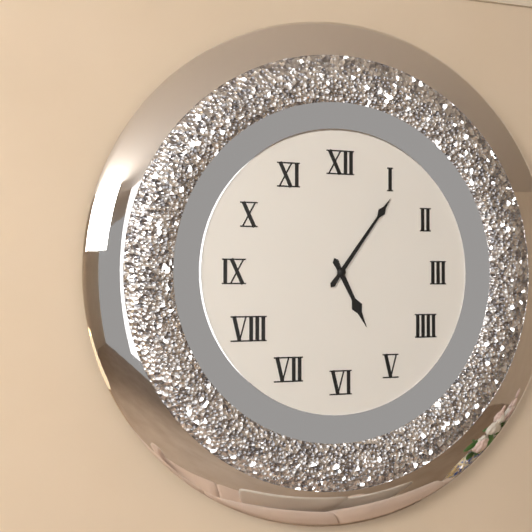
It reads **5:06**
